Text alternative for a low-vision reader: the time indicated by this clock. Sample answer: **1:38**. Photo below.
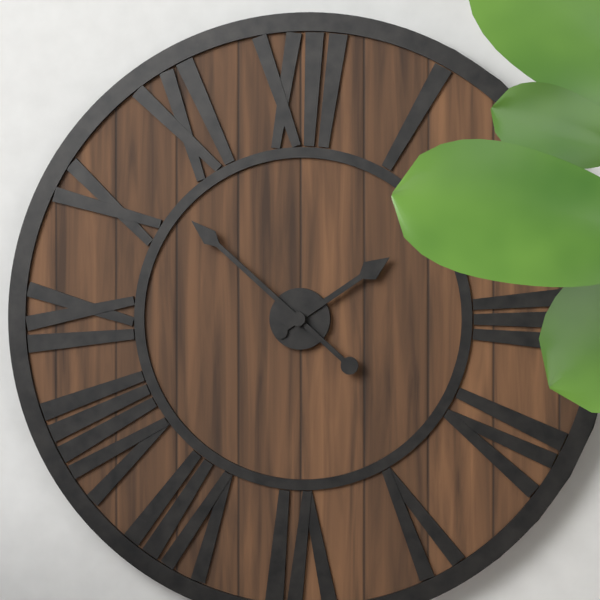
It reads **1:52**
